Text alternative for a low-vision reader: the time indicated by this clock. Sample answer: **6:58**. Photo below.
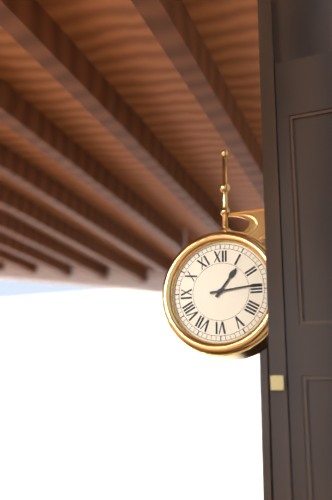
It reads **1:14**
